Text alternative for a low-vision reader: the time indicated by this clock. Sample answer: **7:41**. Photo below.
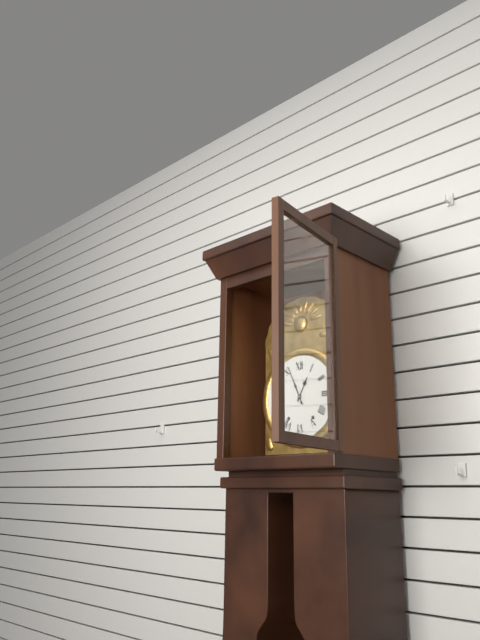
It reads **12:56**
